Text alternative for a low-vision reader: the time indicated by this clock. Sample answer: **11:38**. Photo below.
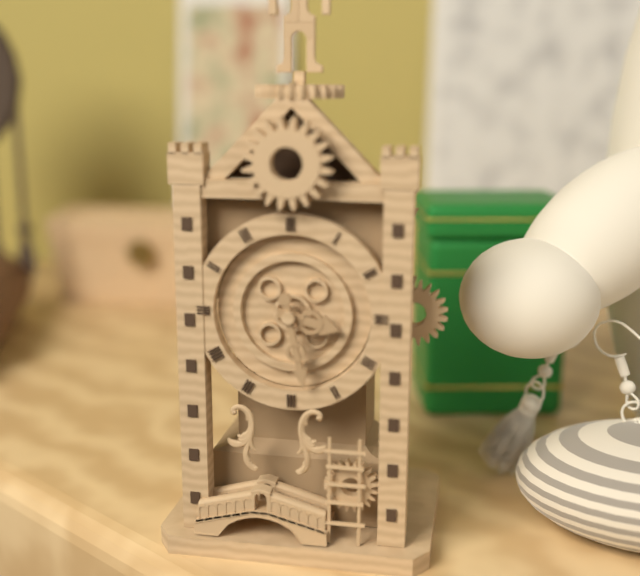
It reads **3:28**
